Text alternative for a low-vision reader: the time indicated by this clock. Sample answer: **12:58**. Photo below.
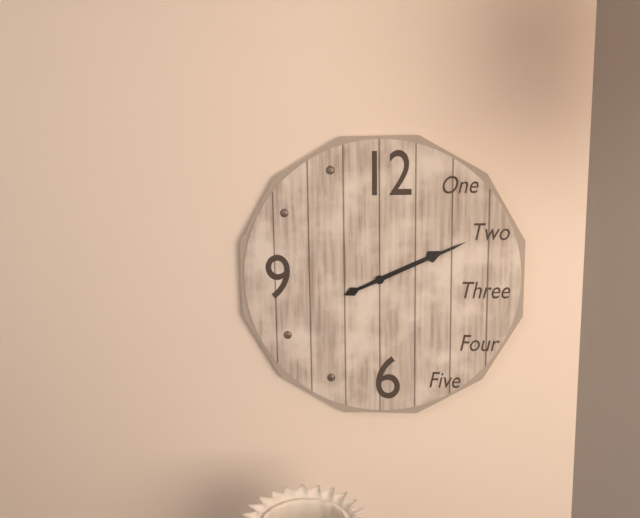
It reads **2:11**
